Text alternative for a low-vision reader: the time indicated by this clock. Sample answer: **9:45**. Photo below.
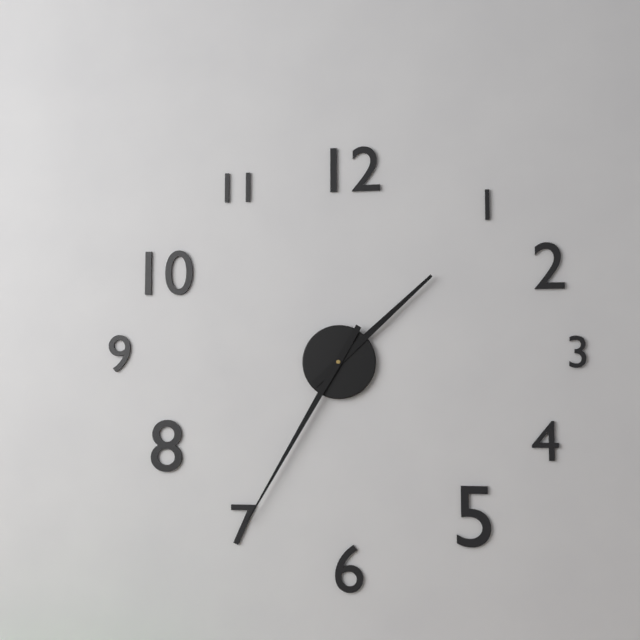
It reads **1:35**
